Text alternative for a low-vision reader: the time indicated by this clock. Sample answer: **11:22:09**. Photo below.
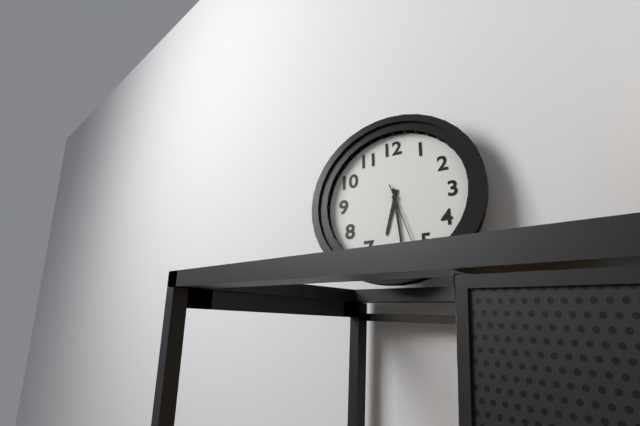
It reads **6:29:27**
